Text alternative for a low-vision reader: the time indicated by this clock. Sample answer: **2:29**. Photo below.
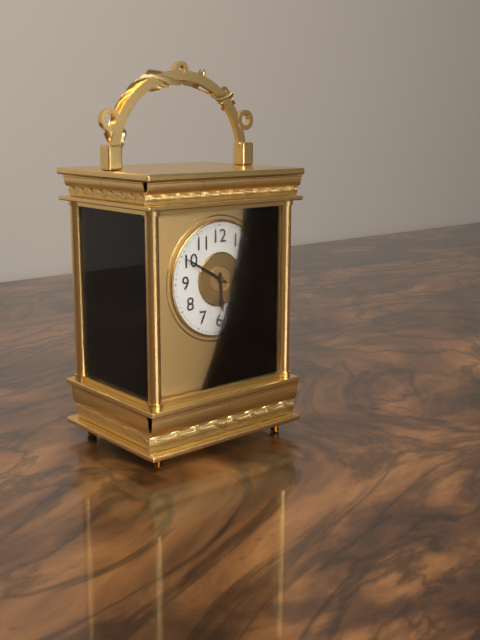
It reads **5:50**
